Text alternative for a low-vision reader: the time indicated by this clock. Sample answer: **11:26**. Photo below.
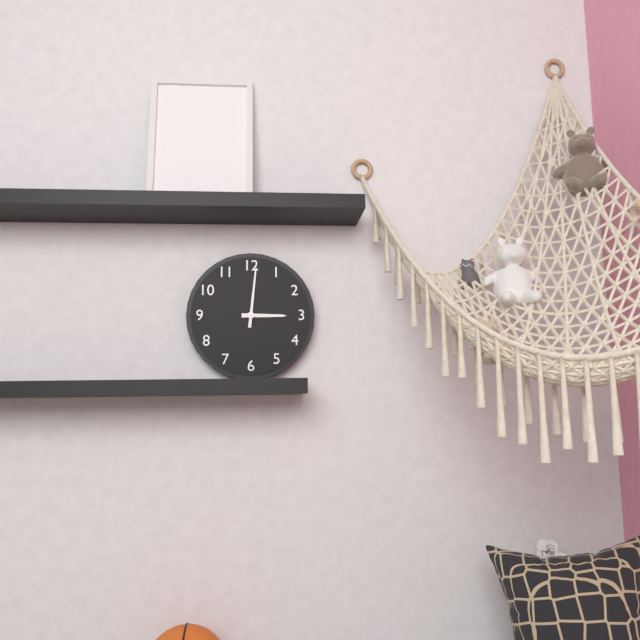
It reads **3:01**
